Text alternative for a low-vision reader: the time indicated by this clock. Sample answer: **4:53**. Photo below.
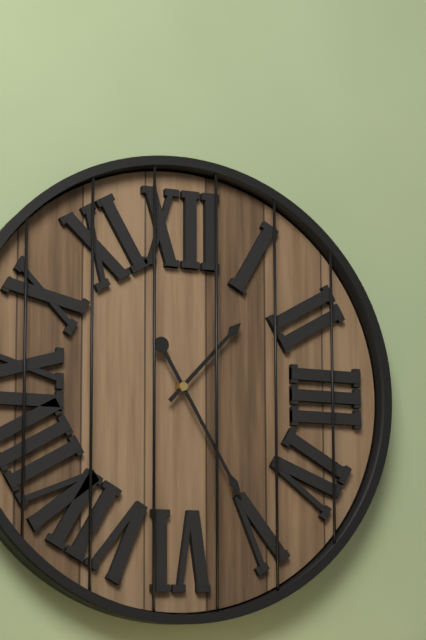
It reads **1:25**
